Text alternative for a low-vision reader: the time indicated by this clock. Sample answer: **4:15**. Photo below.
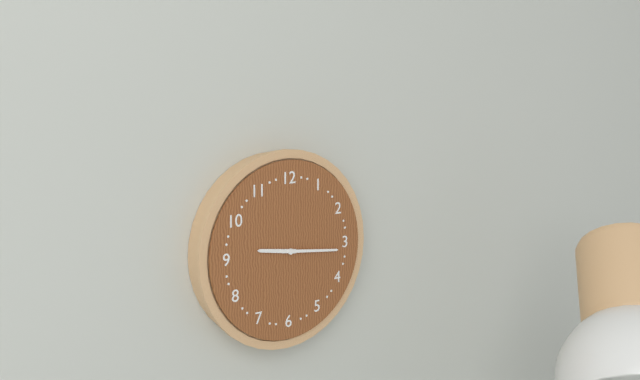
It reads **9:16**
